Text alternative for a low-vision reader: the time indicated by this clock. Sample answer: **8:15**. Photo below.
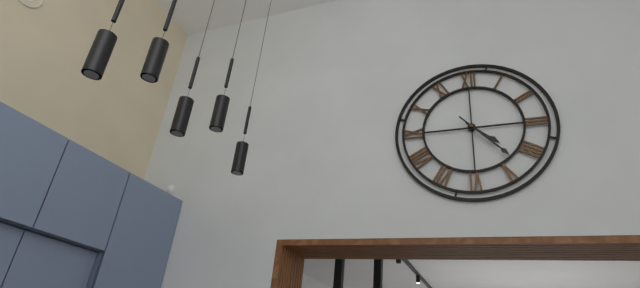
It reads **4:23**
